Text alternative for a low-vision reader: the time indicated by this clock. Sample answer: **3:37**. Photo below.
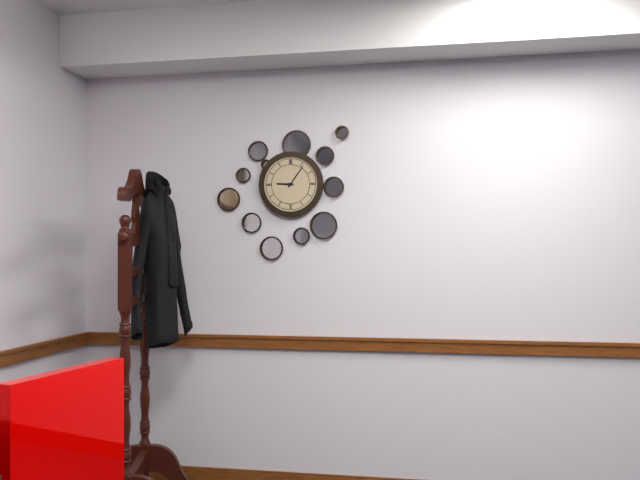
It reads **9:06**
